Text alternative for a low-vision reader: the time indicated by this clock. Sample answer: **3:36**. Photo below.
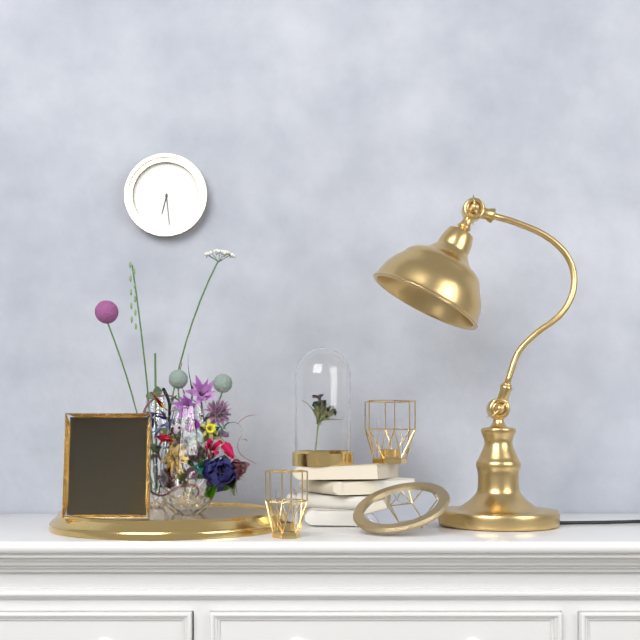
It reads **6:29**
